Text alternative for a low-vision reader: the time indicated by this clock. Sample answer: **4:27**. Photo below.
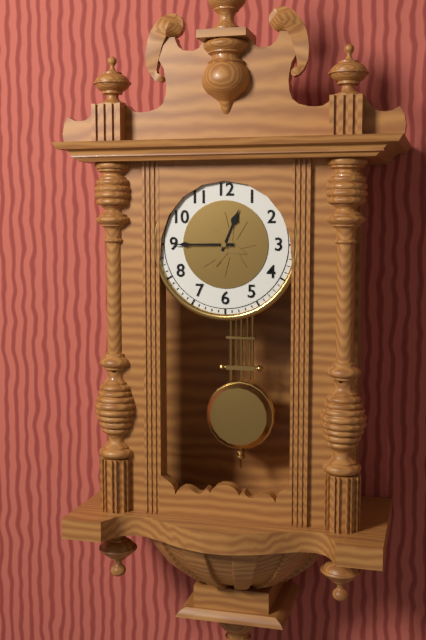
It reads **12:45**
